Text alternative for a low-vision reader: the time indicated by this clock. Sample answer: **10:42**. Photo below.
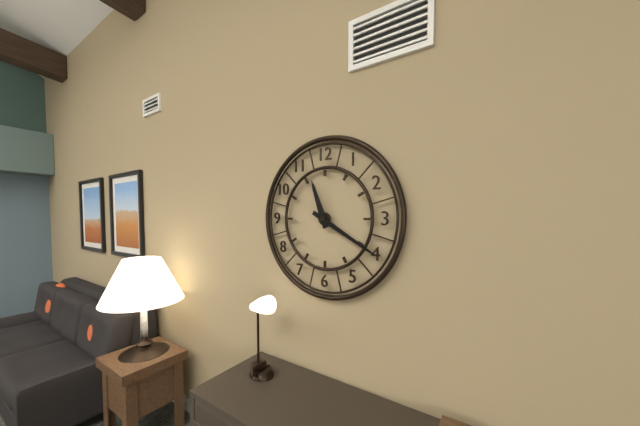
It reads **11:20**
